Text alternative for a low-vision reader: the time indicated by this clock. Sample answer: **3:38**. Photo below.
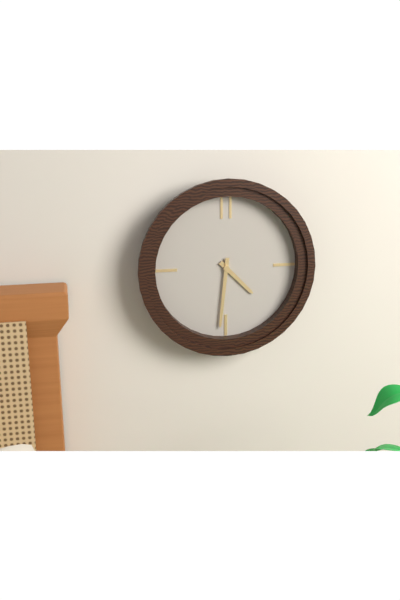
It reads **4:31**
